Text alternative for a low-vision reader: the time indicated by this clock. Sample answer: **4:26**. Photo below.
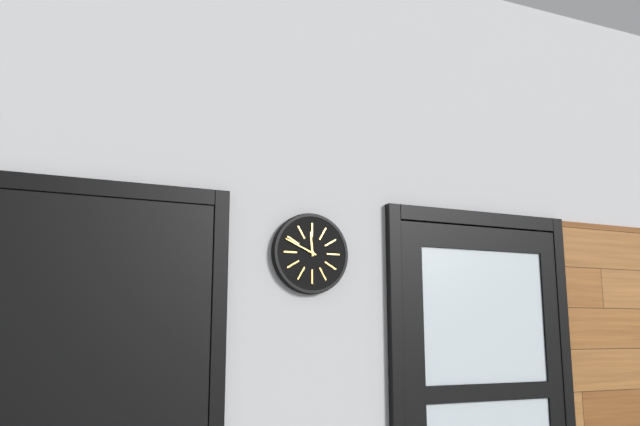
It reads **11:49**
